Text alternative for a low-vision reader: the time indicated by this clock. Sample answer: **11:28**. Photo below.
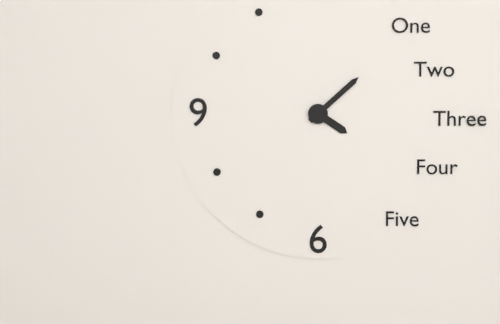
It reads **4:08**
